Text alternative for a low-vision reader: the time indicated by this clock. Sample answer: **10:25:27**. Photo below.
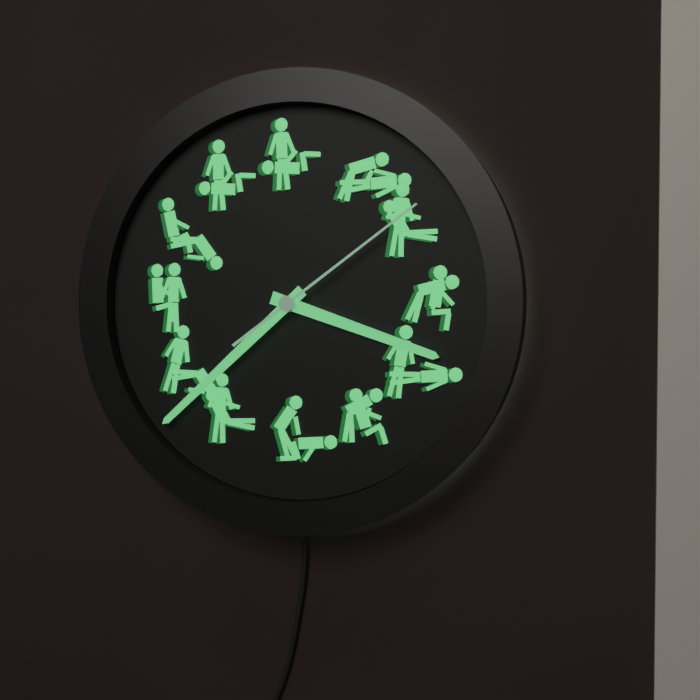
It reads **3:38:09**
